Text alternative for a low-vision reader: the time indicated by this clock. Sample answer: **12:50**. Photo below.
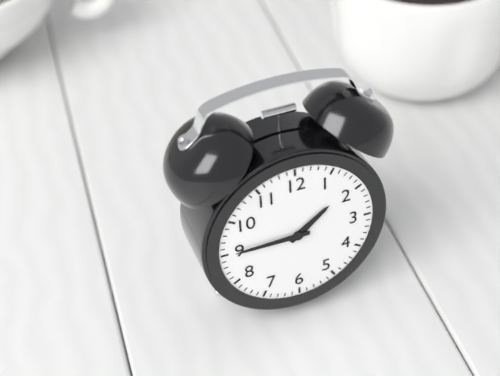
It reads **1:45**
